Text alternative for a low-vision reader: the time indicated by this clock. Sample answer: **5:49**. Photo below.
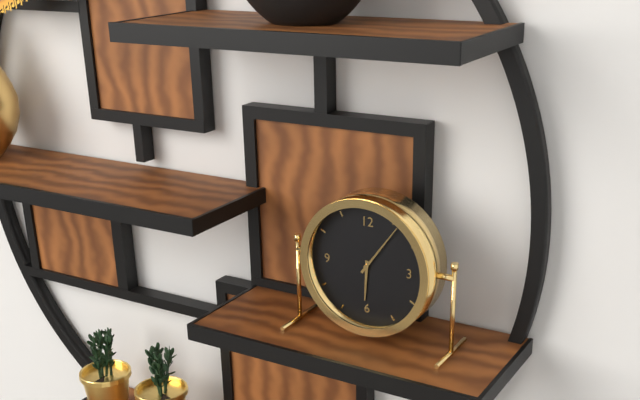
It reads **6:06**
